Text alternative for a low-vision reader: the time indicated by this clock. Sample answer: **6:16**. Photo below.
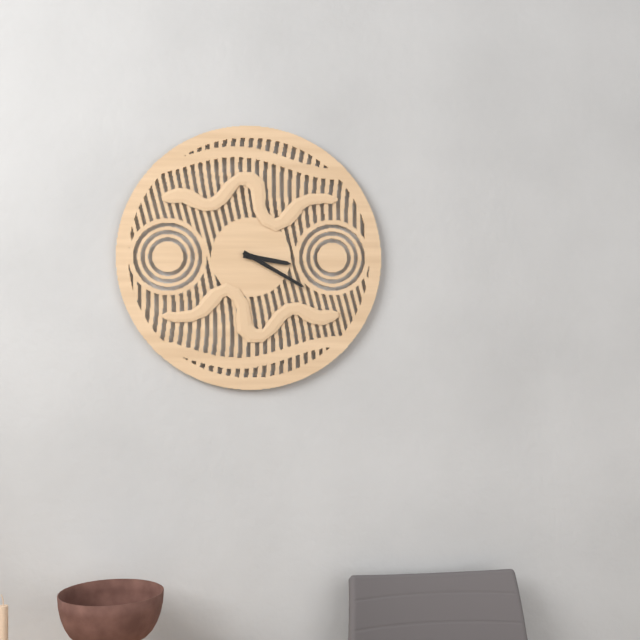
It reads **3:20**
